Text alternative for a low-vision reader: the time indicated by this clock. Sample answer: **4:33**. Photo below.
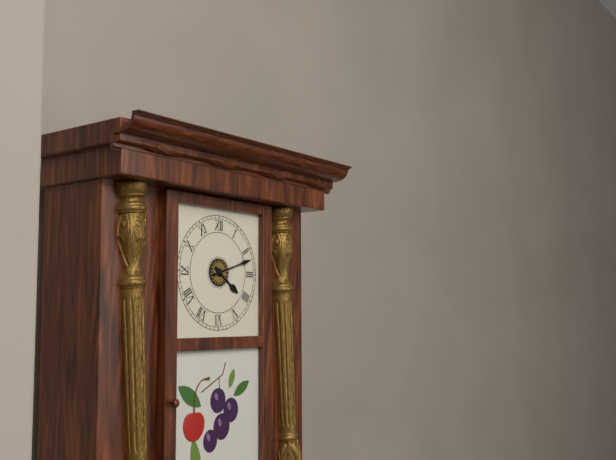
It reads **4:12**
